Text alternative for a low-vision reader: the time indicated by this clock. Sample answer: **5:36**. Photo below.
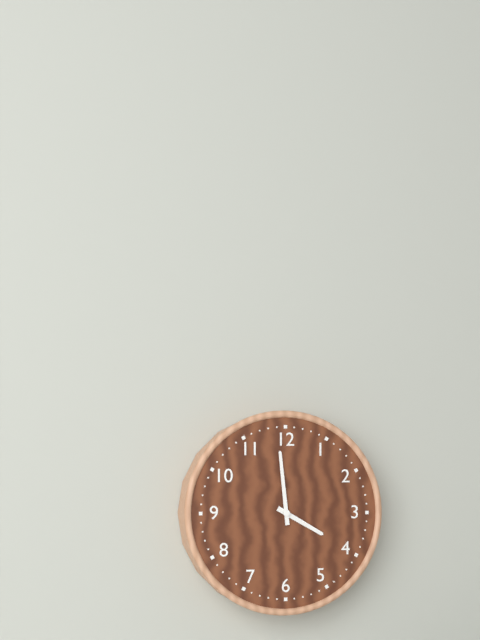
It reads **3:59**
